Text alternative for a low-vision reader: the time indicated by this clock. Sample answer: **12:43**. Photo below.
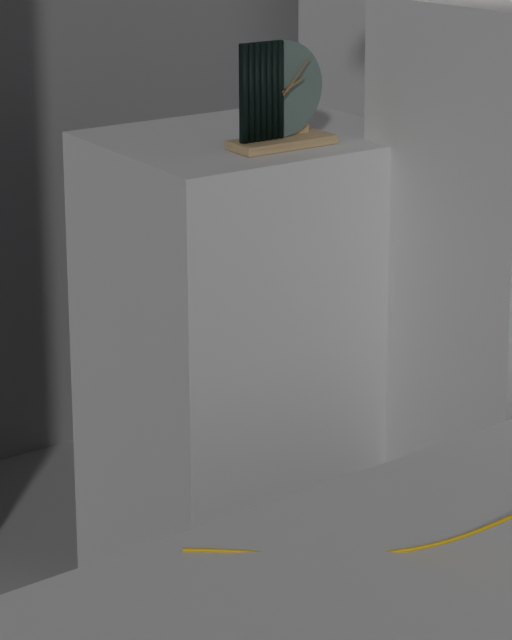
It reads **2:07**
